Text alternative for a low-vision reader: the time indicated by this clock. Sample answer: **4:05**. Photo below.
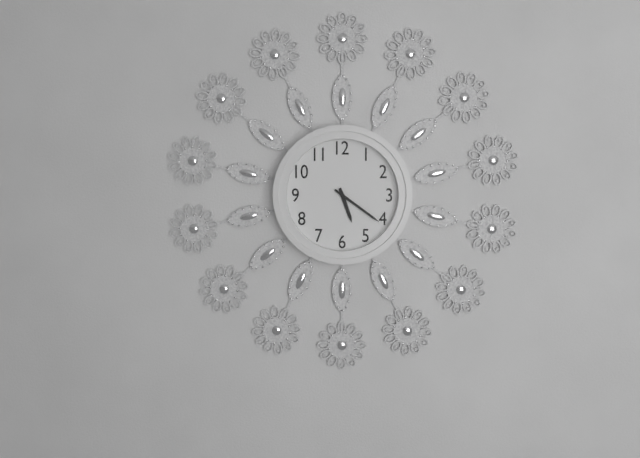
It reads **5:21**
